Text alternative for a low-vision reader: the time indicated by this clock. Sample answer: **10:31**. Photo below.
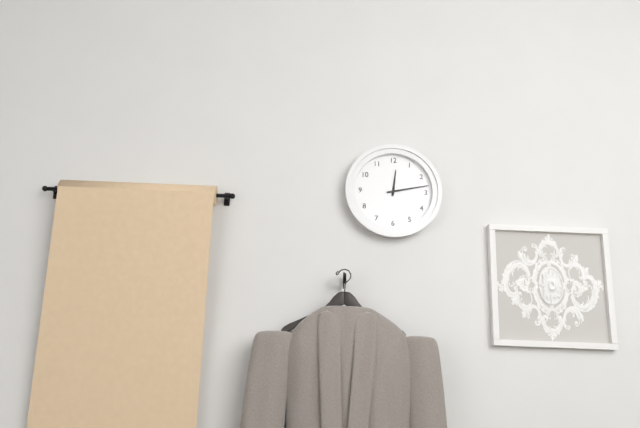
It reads **12:13**
